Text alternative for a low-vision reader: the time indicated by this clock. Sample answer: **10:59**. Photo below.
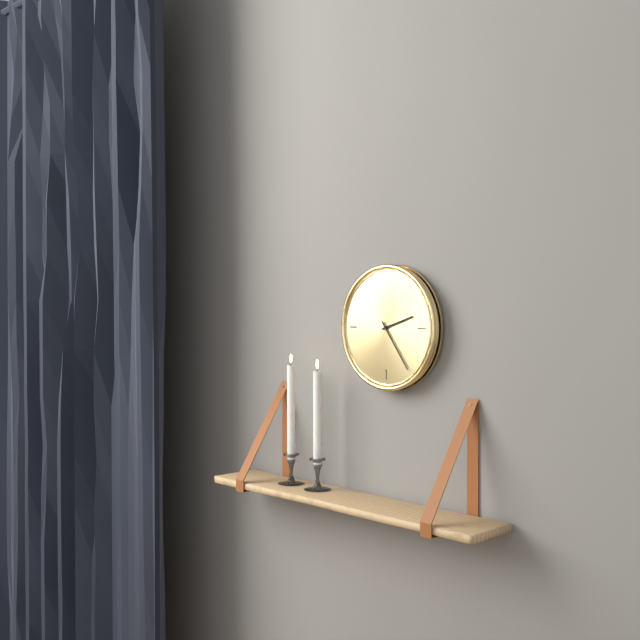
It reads **2:24**
